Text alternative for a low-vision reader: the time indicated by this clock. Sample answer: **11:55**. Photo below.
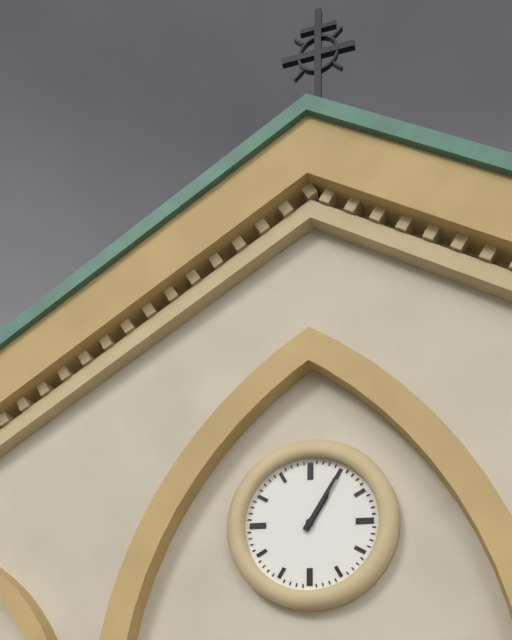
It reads **1:05**
